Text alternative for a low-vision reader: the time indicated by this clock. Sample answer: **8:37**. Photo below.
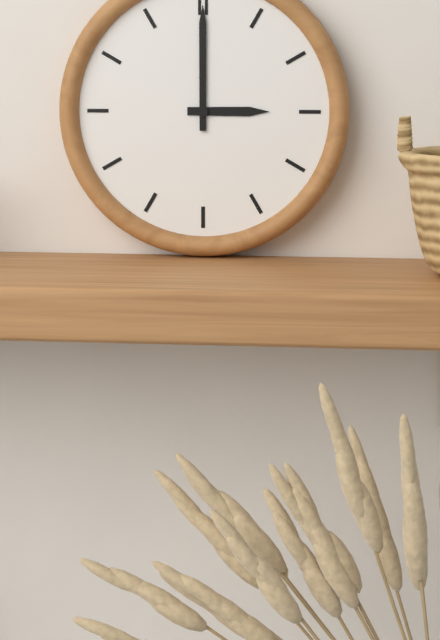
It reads **3:00**
